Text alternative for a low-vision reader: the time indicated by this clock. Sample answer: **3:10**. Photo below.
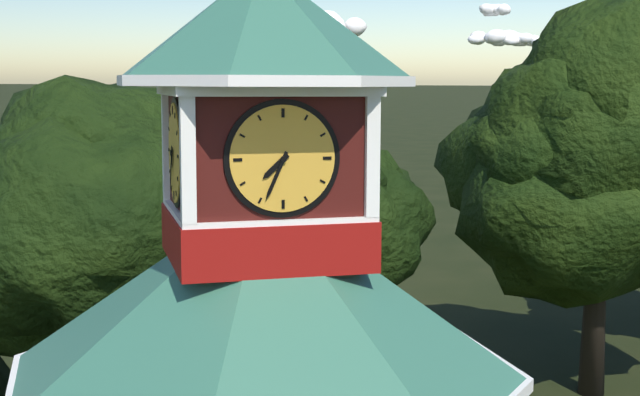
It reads **7:34**
